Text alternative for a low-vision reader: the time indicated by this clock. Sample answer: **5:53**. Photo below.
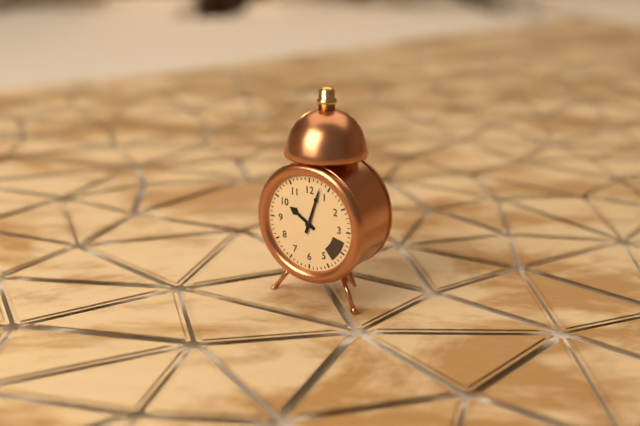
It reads **10:03**
